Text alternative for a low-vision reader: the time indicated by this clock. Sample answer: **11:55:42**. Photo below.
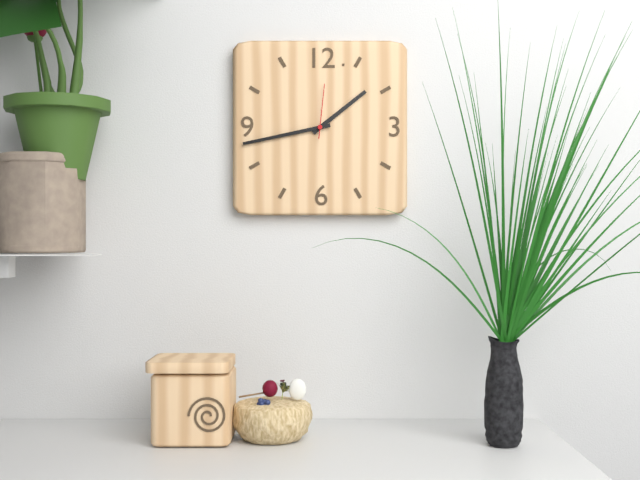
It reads **1:43:01**
